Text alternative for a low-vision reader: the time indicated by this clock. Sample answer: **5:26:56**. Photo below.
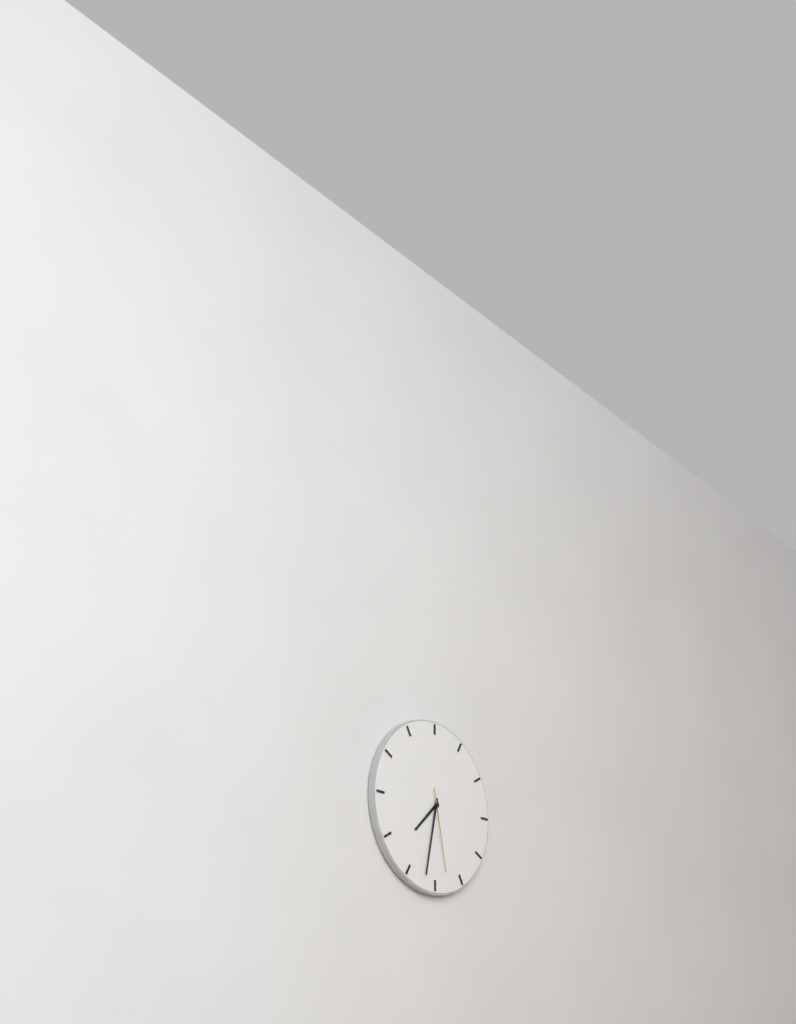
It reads **7:32:28**
